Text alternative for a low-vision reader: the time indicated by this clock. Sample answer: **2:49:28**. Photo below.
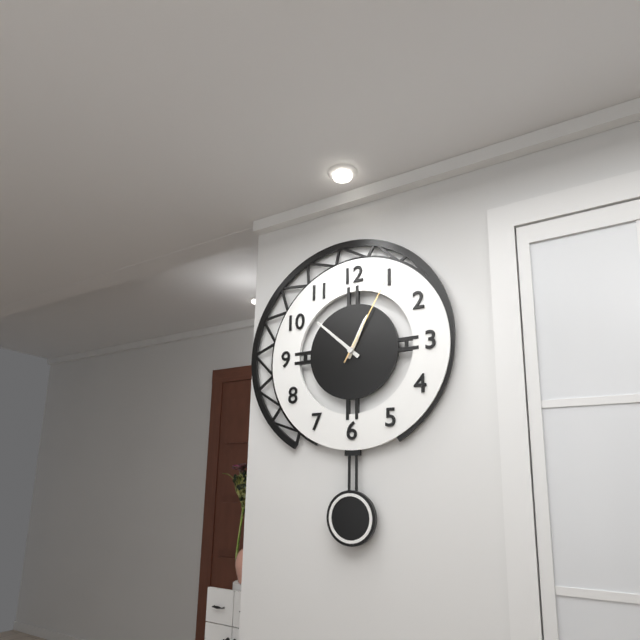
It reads **12:52:05**
